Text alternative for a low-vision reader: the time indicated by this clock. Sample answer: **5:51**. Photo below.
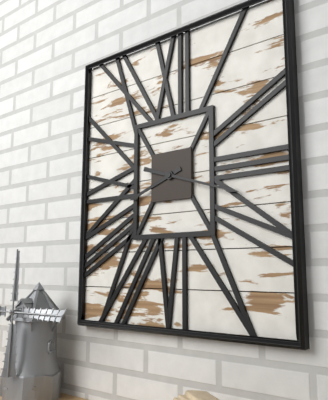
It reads **8:18**
